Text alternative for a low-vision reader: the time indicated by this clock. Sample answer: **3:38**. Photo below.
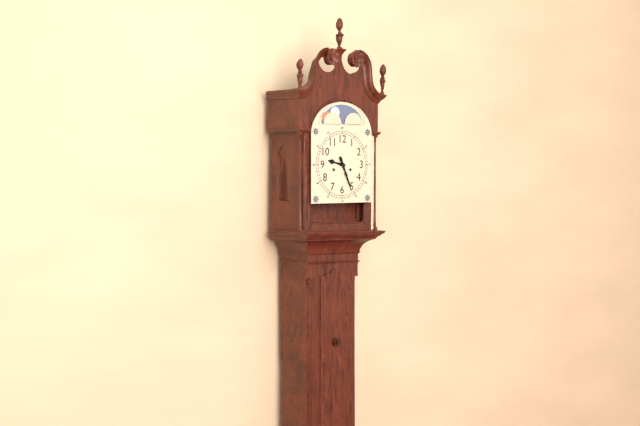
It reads **9:26**
